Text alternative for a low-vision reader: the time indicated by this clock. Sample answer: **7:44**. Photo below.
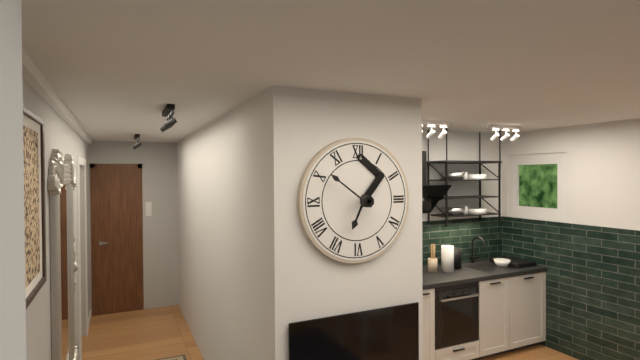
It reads **6:51**
